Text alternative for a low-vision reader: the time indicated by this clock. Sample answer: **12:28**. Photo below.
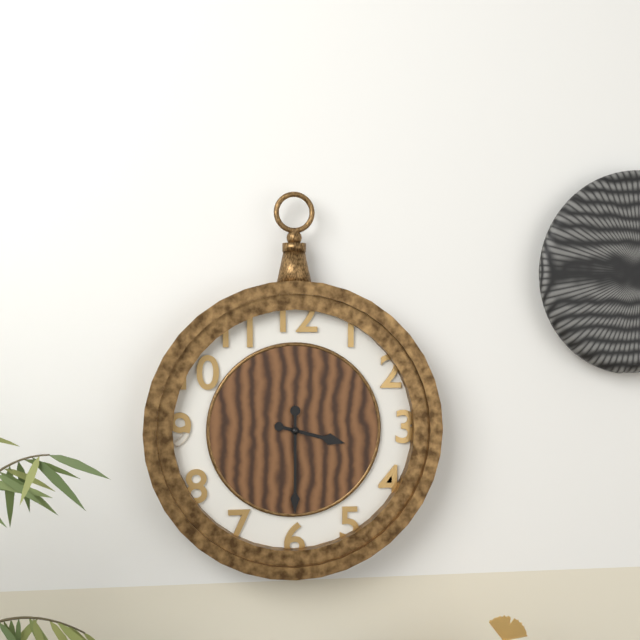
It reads **3:30**
